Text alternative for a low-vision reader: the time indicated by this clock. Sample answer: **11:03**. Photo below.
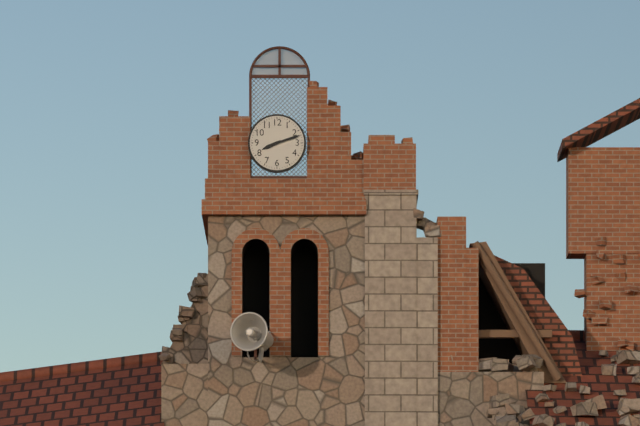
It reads **8:12**
